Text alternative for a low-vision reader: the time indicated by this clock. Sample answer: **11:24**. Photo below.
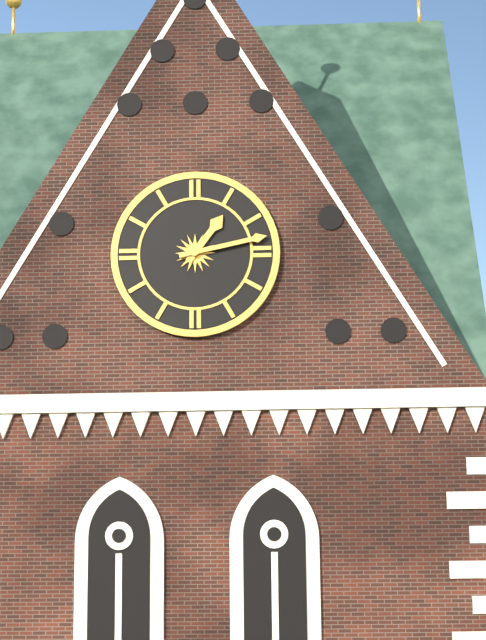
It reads **1:13**
